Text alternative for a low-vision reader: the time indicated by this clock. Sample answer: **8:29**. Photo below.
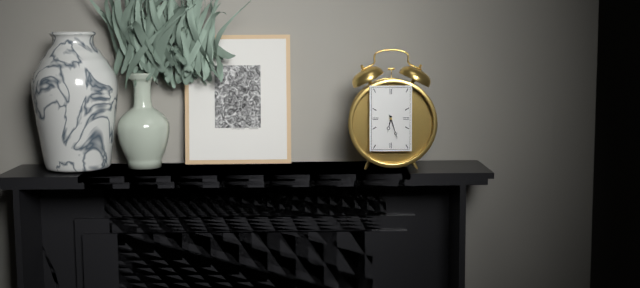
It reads **6:27**
